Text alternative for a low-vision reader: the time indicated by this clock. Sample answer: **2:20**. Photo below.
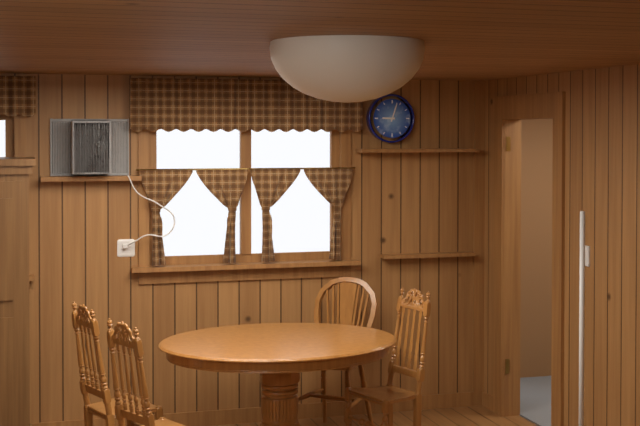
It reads **9:03**
